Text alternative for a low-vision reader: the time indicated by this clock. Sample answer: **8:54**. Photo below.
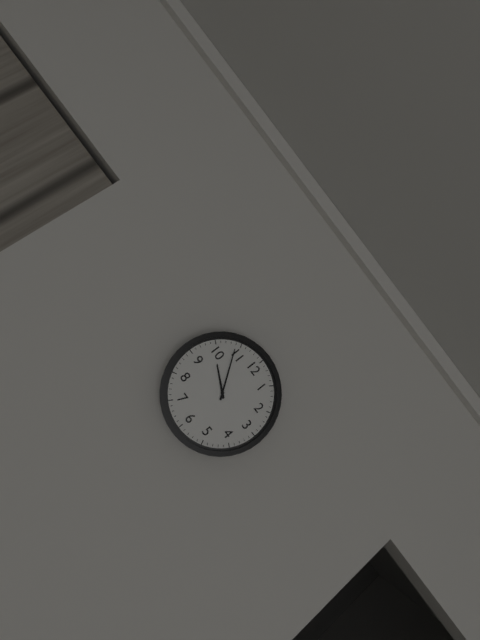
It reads **9:54**
